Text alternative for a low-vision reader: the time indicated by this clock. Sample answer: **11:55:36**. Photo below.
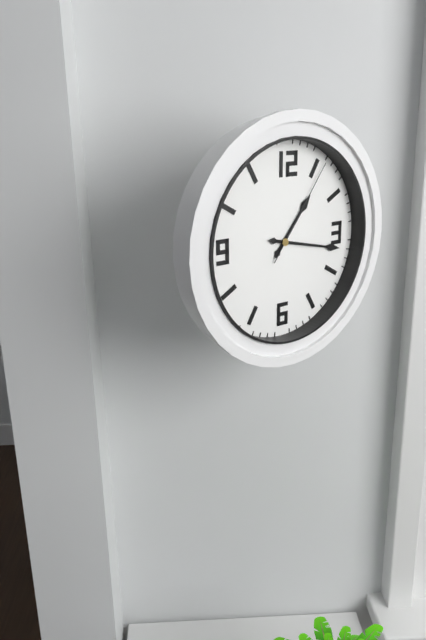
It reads **1:17:06**
